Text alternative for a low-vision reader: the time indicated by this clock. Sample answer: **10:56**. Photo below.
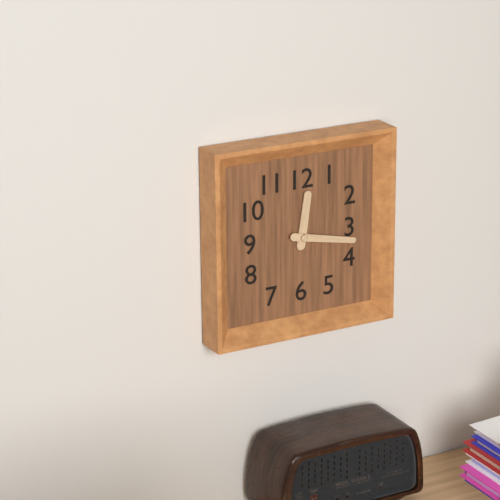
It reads **12:17**
